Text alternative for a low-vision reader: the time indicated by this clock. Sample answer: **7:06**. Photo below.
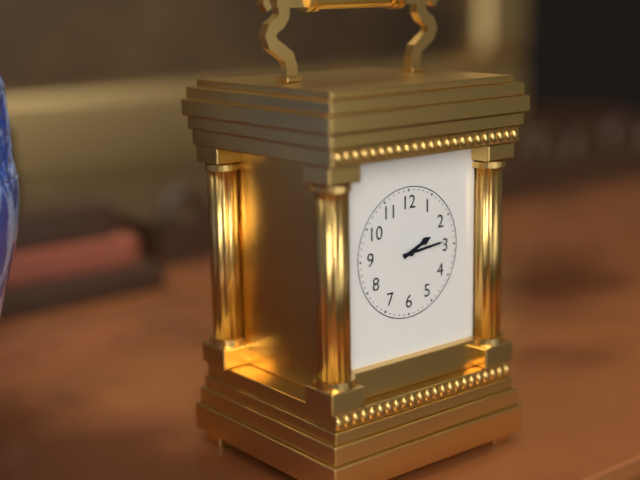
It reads **2:14**
